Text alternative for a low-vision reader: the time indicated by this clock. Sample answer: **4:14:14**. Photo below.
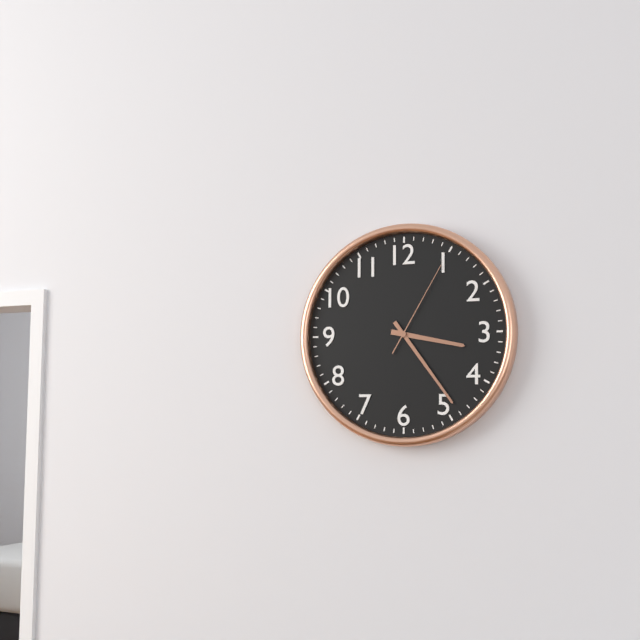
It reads **3:24:05**
